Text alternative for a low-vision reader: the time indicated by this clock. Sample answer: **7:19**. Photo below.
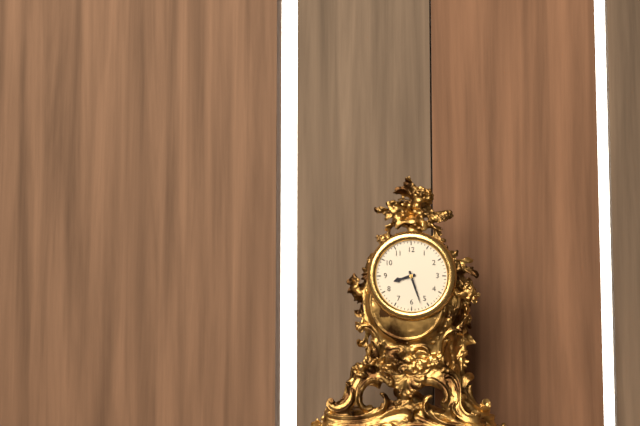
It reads **8:27**
